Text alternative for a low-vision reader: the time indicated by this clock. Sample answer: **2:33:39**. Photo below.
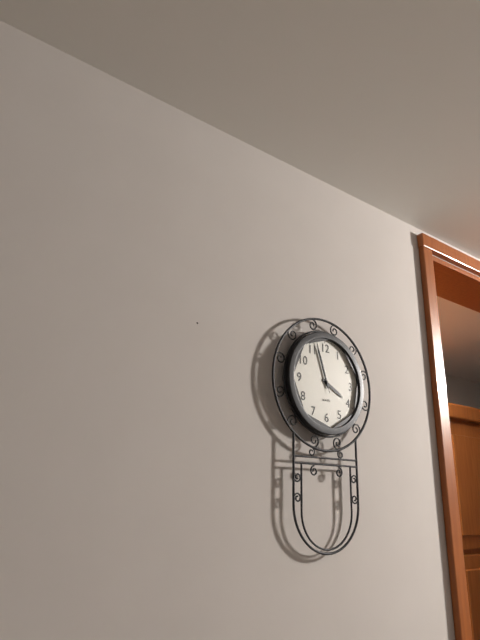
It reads **3:57:57**
